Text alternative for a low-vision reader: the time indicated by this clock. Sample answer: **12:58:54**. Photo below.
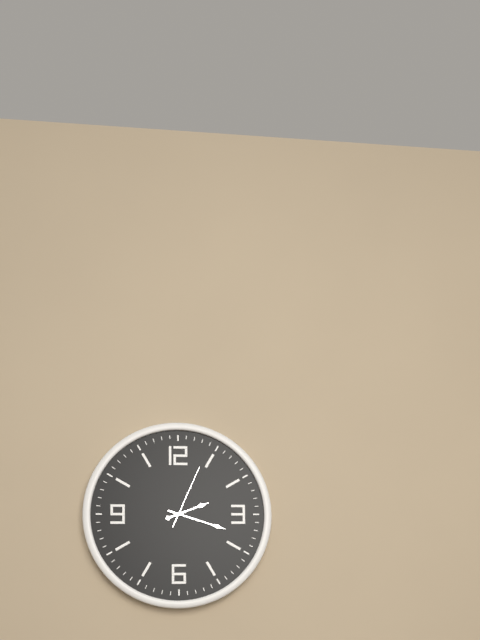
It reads **2:18:04**
